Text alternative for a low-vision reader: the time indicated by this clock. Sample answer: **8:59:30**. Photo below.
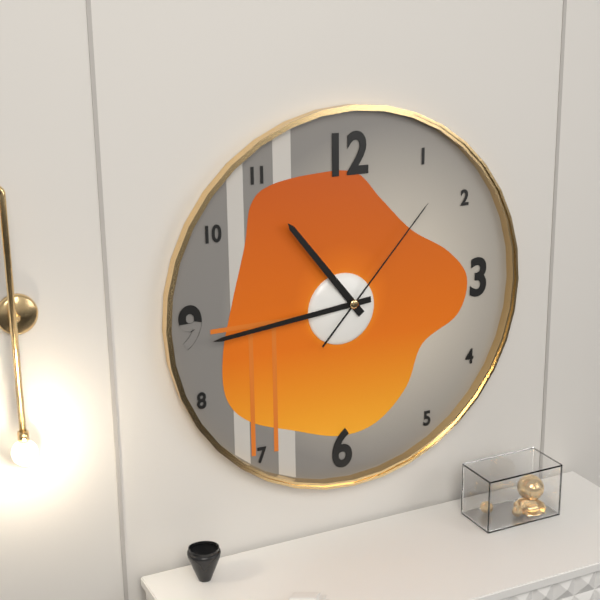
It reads **10:44:07**
